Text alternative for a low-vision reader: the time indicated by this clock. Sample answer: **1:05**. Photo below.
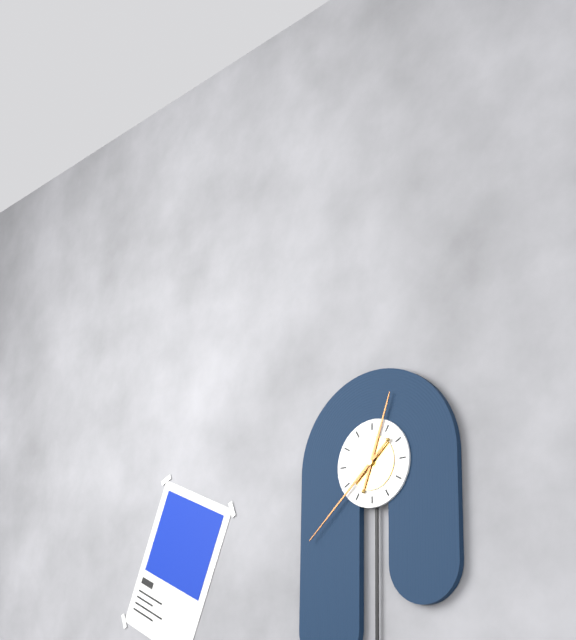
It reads **12:38**
